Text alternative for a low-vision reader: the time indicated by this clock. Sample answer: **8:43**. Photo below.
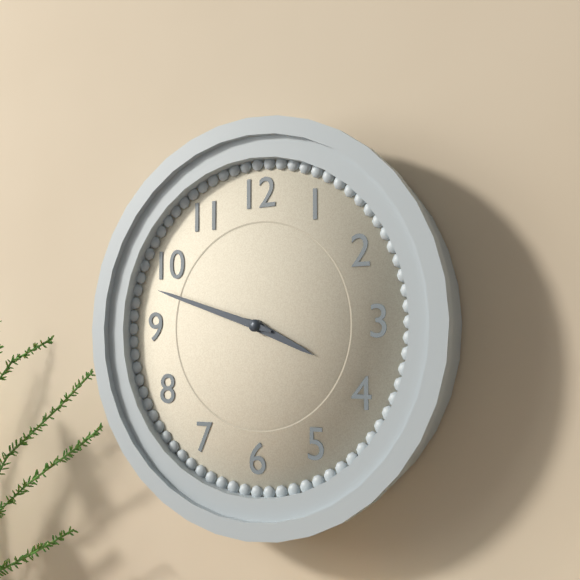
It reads **3:48**
